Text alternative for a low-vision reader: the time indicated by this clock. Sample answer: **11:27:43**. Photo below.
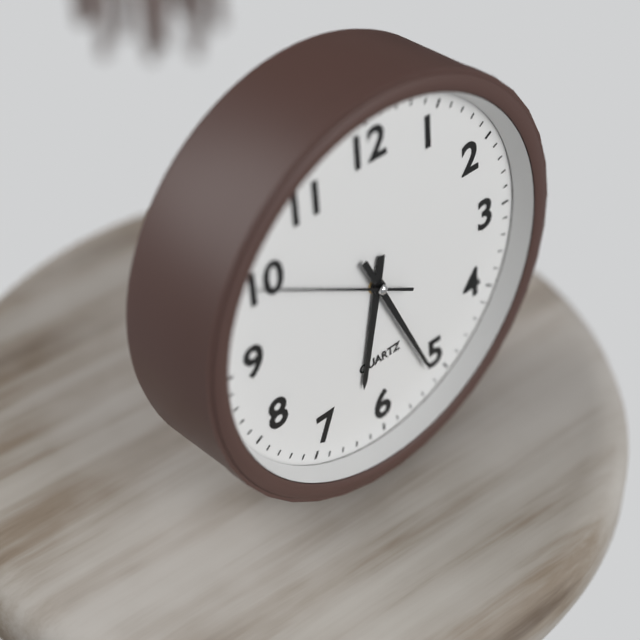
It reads **6:26:50**
